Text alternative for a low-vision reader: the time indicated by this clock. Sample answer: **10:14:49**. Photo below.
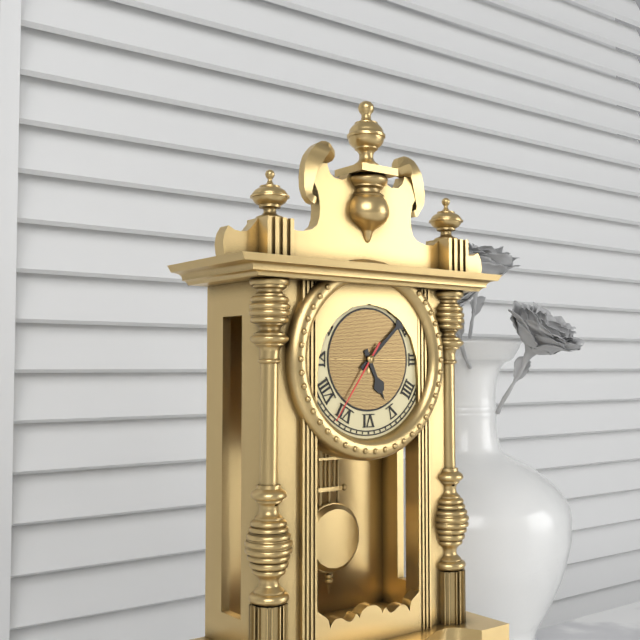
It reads **5:08:36**
